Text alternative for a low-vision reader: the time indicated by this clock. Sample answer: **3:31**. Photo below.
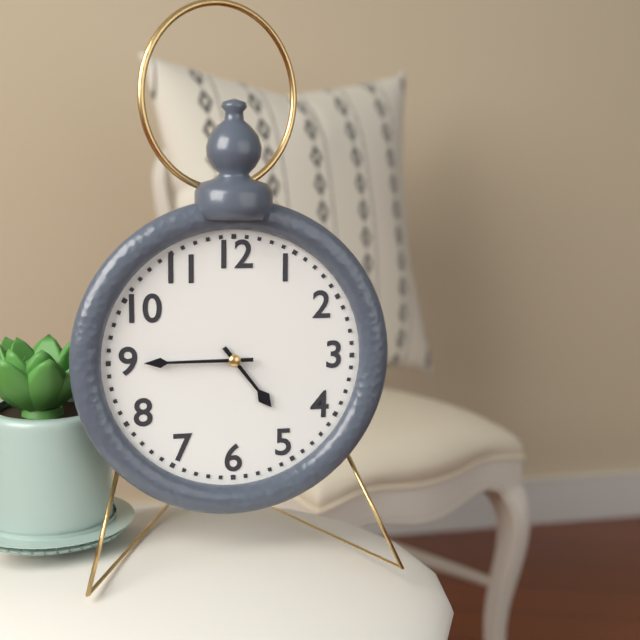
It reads **4:45**
